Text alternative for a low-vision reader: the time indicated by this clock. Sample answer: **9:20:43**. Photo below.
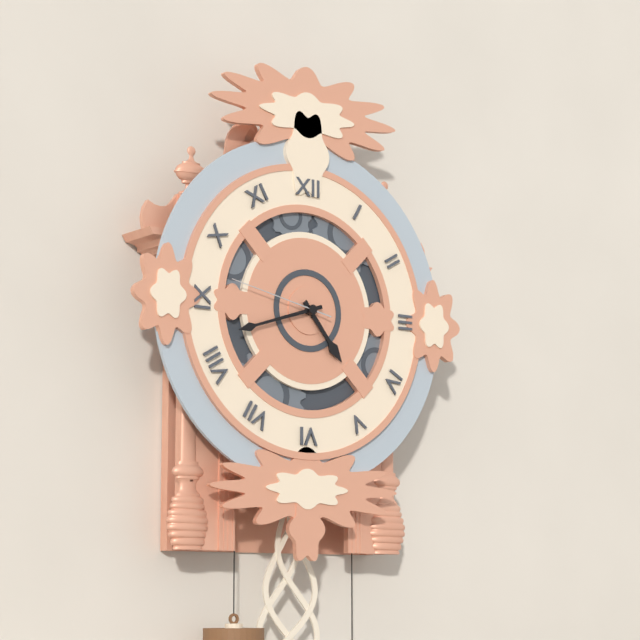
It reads **4:42:47**
